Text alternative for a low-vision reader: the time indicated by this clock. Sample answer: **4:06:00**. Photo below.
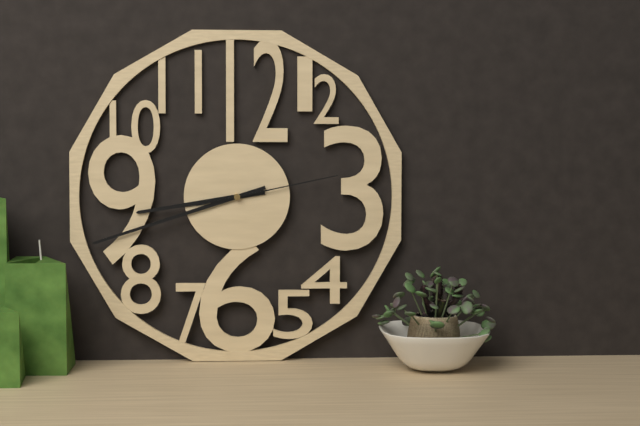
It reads **8:42:13**
